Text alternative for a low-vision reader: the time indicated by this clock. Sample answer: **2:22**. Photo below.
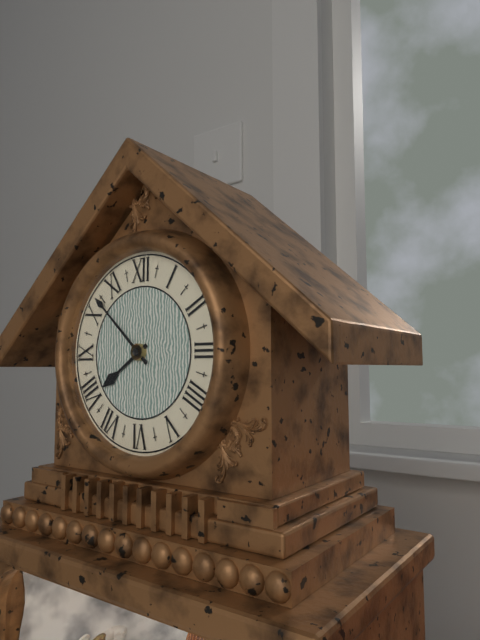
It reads **7:52**
